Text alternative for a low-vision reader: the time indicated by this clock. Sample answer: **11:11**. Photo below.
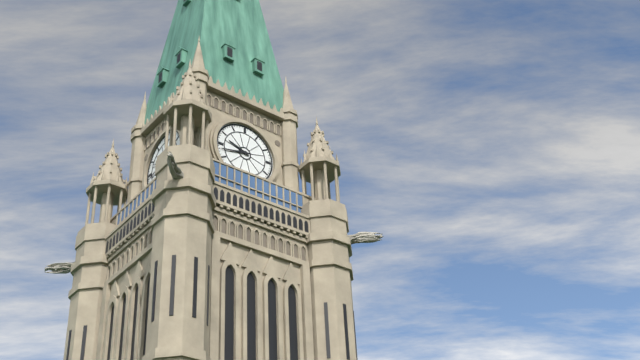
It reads **9:43**
